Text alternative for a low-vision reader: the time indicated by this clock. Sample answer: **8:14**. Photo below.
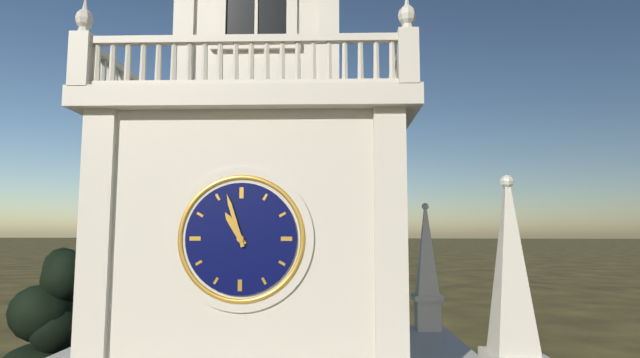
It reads **10:57**
